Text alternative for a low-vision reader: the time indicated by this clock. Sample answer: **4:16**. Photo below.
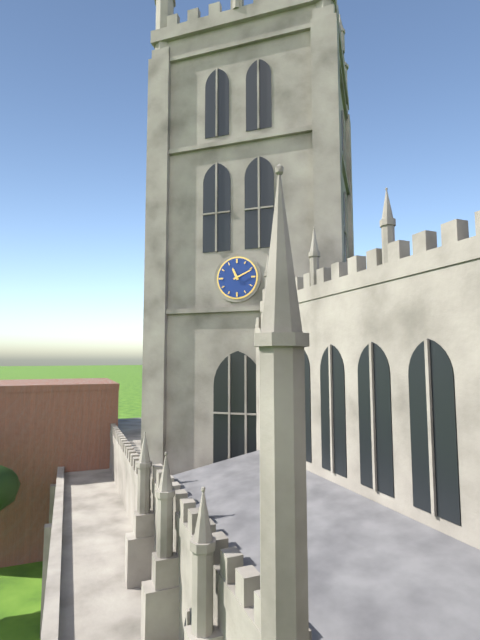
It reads **11:11**
